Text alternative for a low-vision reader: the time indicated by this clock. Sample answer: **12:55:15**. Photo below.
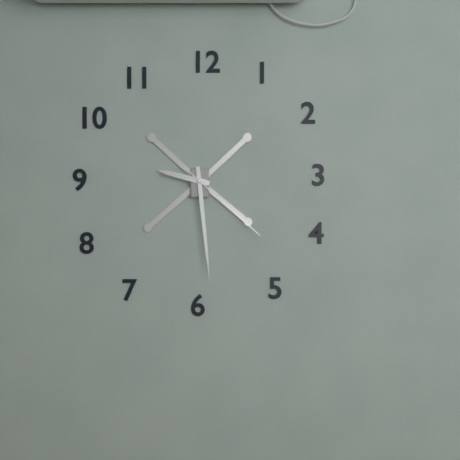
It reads **9:29:22**
